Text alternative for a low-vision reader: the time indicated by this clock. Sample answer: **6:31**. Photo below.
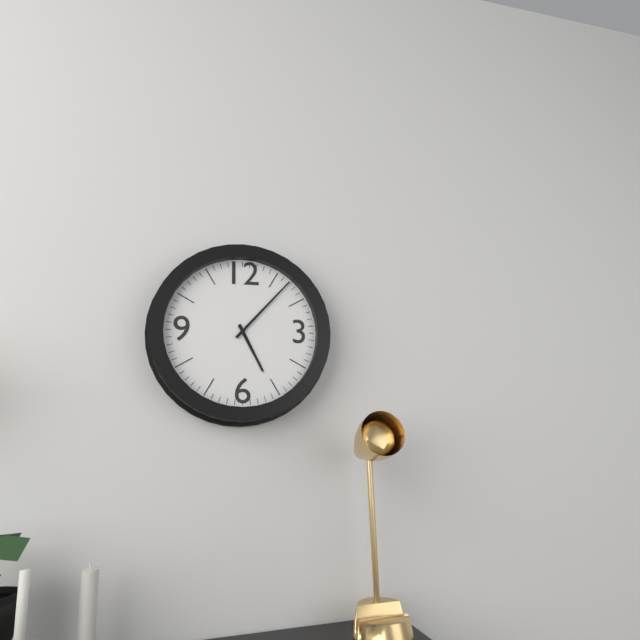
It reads **5:07**
